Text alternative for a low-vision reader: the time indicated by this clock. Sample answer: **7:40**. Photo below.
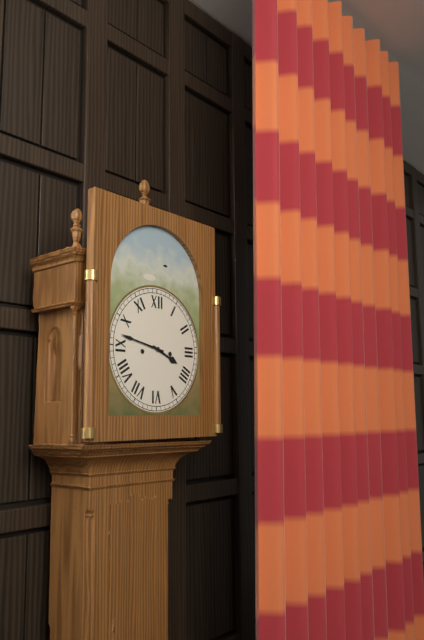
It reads **3:47**
